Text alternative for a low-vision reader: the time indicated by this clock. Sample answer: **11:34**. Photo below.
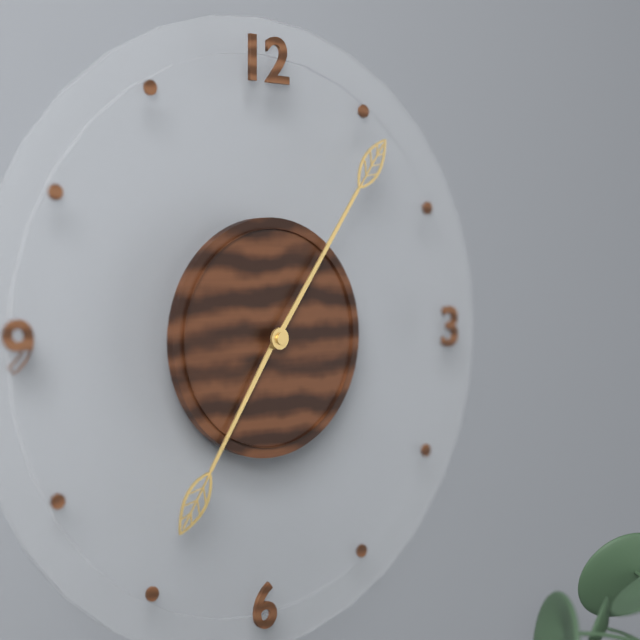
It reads **7:06**
